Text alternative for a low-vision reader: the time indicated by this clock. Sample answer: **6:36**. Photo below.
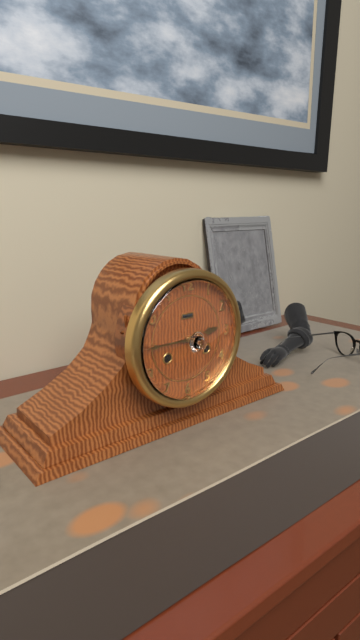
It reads **2:45**
